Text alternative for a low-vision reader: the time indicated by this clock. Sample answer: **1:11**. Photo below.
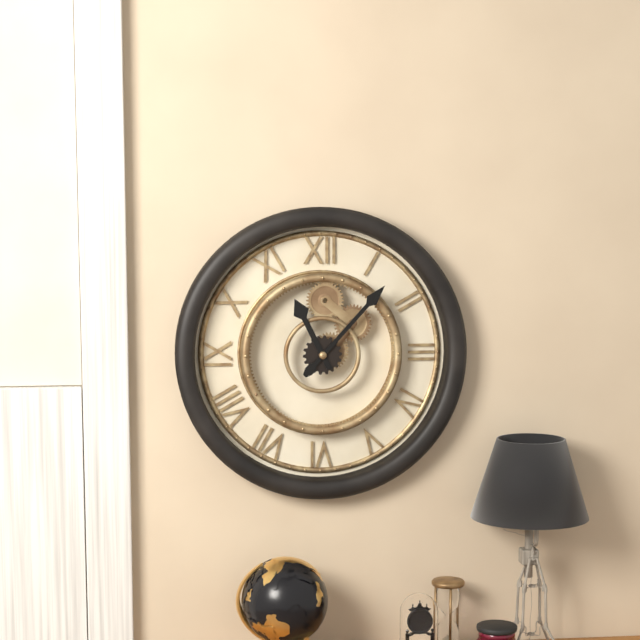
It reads **11:07**
